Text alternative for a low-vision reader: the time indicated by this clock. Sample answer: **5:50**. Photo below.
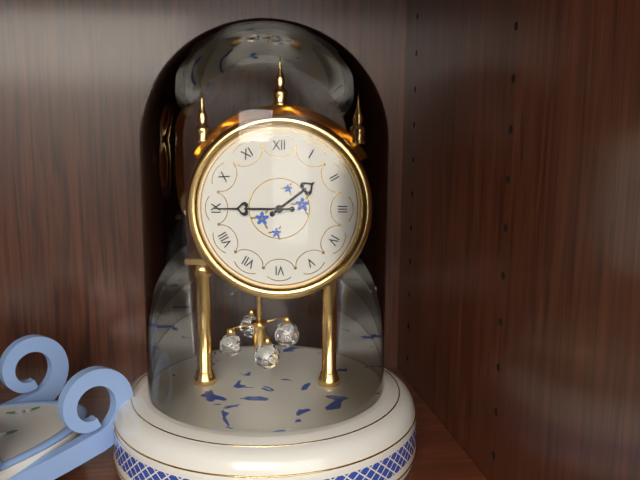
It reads **1:45**
